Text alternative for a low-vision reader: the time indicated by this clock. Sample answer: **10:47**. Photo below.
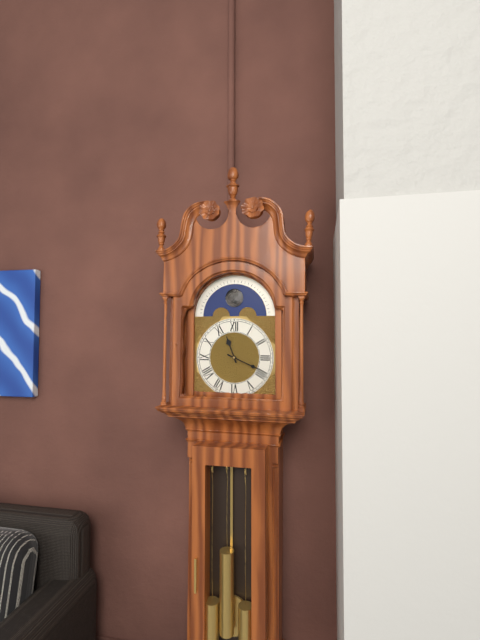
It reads **11:19**
